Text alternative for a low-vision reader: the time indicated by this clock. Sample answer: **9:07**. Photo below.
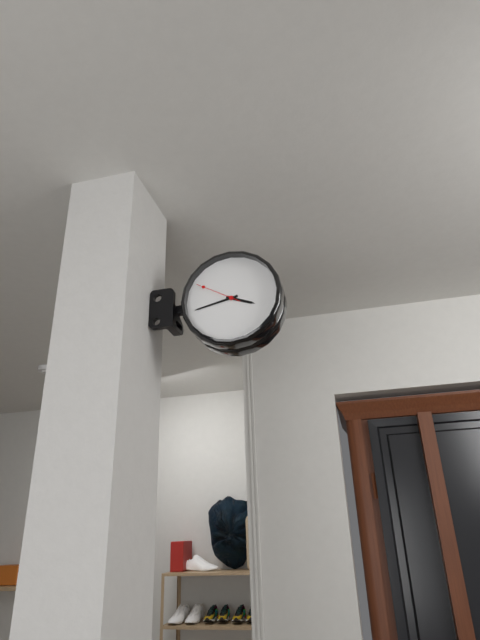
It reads **3:43**
